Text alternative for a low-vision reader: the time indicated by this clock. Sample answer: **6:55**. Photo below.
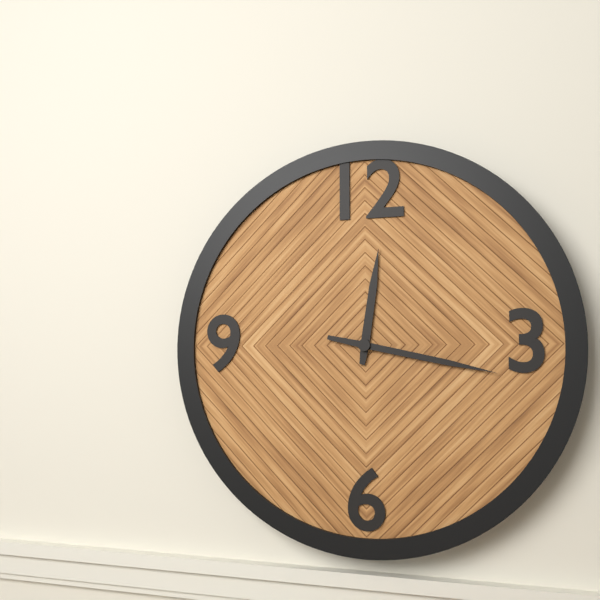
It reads **12:17**
